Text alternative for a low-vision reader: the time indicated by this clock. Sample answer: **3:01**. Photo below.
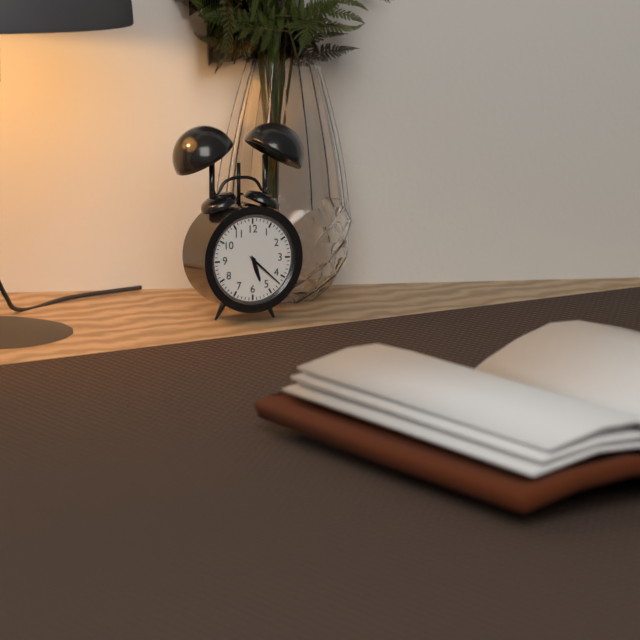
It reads **5:22**
